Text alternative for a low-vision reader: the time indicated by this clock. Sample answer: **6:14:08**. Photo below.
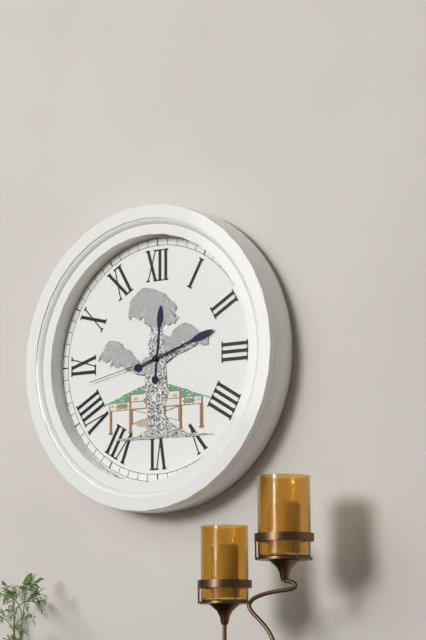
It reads **12:12:43**
